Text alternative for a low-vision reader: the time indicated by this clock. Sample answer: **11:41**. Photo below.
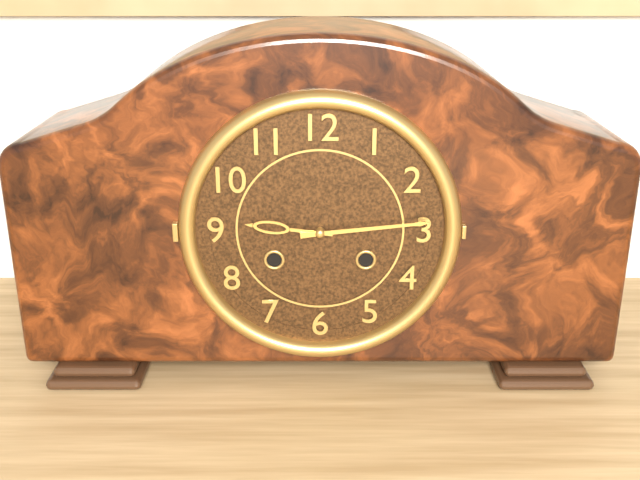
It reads **9:14**
